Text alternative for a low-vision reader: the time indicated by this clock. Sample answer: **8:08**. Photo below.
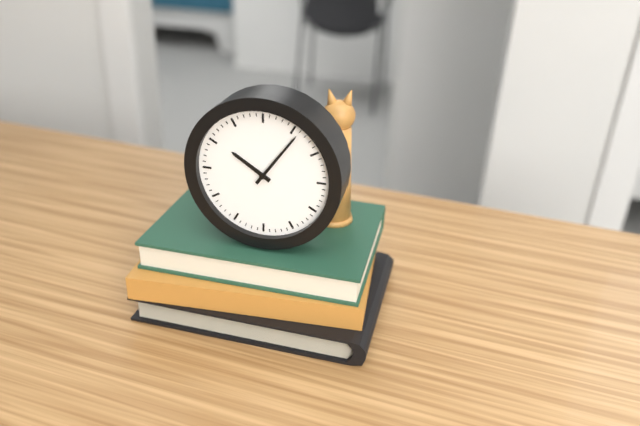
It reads **10:06**
